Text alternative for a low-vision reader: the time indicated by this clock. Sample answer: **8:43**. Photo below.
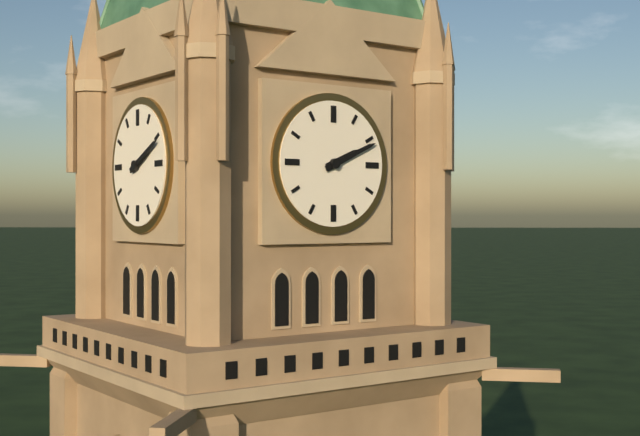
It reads **2:11**
